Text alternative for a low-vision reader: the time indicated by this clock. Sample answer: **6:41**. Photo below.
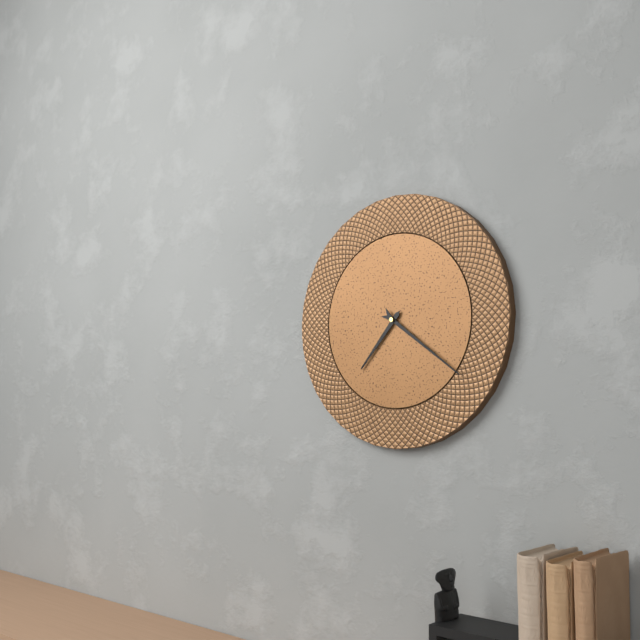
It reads **7:21**
